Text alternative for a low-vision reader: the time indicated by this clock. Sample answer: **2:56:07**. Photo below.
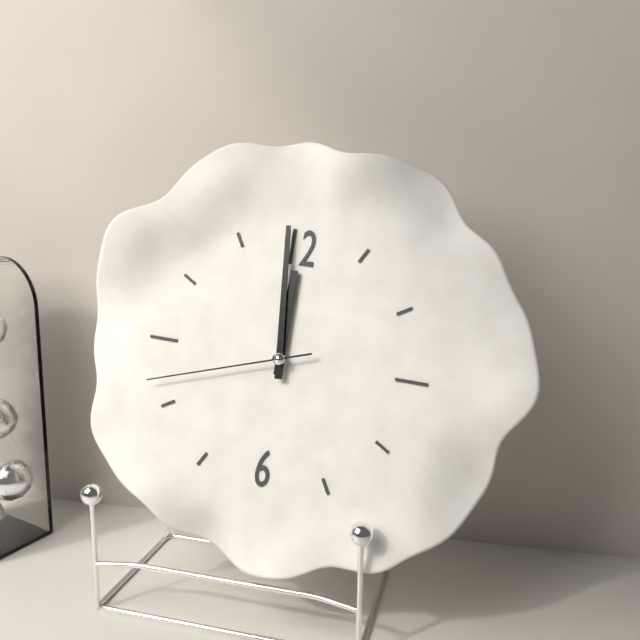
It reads **11:59:42**
